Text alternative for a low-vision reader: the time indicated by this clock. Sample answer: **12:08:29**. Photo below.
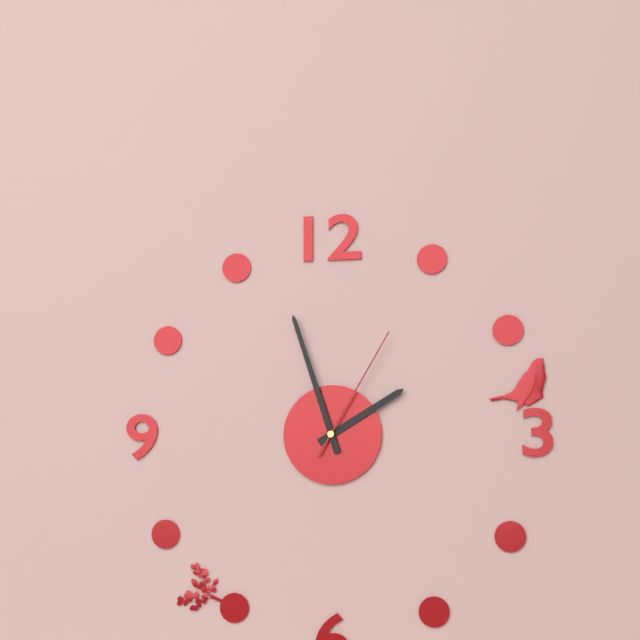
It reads **1:57:05**
